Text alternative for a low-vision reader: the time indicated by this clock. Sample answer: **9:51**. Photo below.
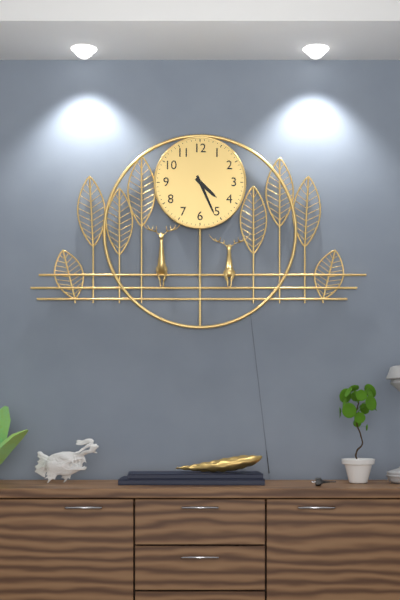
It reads **4:26**
